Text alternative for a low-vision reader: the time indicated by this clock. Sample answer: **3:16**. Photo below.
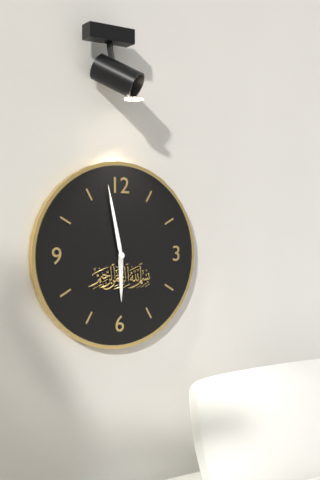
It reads **5:58**
